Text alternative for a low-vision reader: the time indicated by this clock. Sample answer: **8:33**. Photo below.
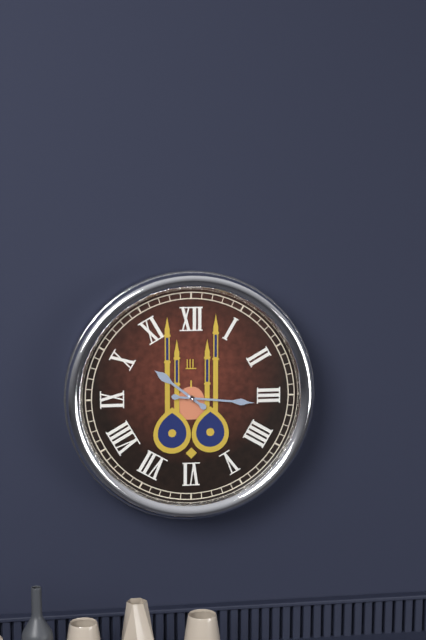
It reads **10:16**
